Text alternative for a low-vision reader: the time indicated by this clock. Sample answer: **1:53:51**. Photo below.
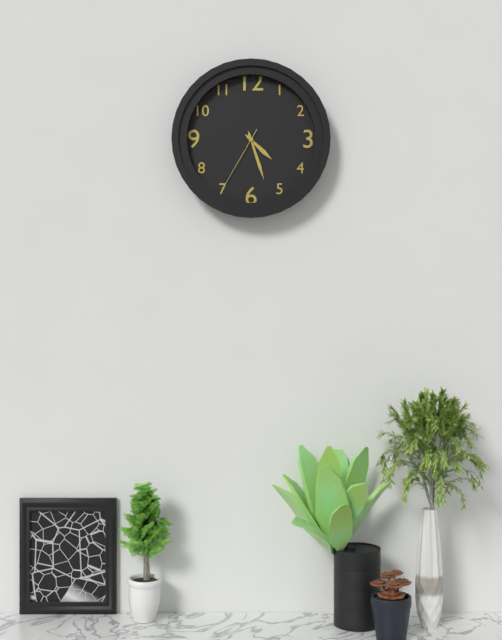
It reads **4:27:35**
